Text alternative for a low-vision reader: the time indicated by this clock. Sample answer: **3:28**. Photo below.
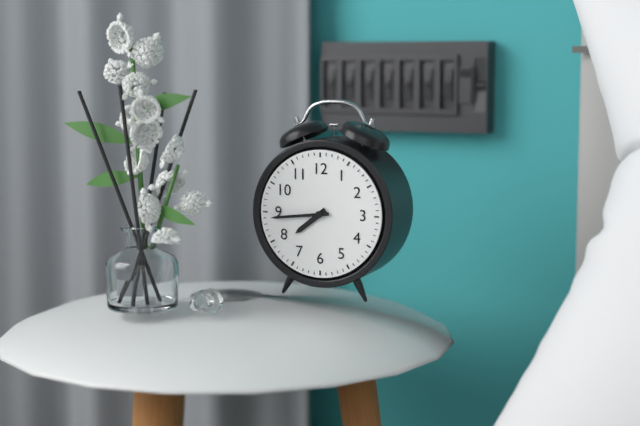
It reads **7:44**
